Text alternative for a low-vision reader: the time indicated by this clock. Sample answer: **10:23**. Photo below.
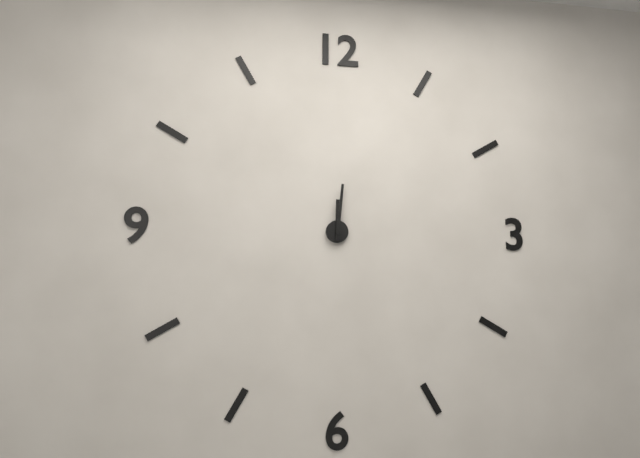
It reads **12:01**
